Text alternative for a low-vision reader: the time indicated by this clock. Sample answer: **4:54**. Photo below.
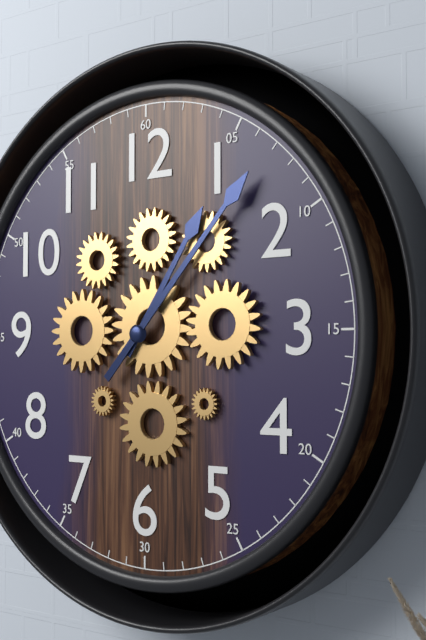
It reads **1:07**
